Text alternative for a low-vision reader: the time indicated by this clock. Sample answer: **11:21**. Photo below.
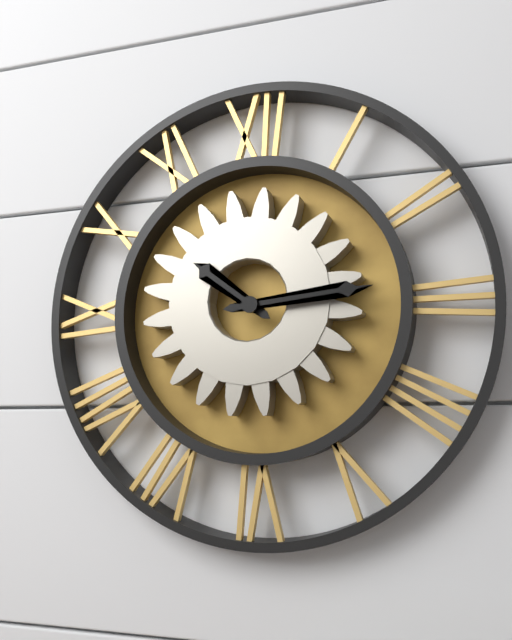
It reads **10:14**
